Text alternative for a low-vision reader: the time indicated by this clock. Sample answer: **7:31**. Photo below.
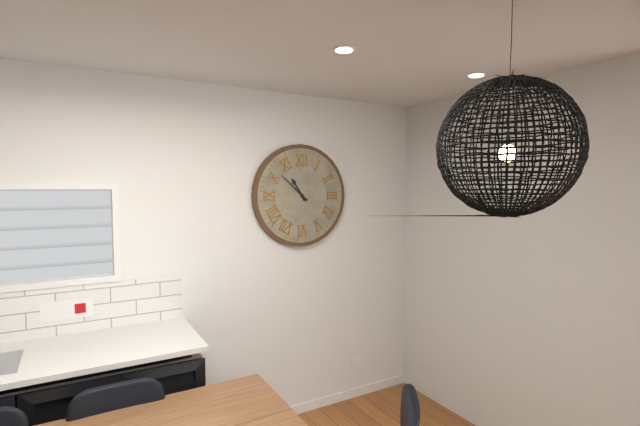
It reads **10:52**
